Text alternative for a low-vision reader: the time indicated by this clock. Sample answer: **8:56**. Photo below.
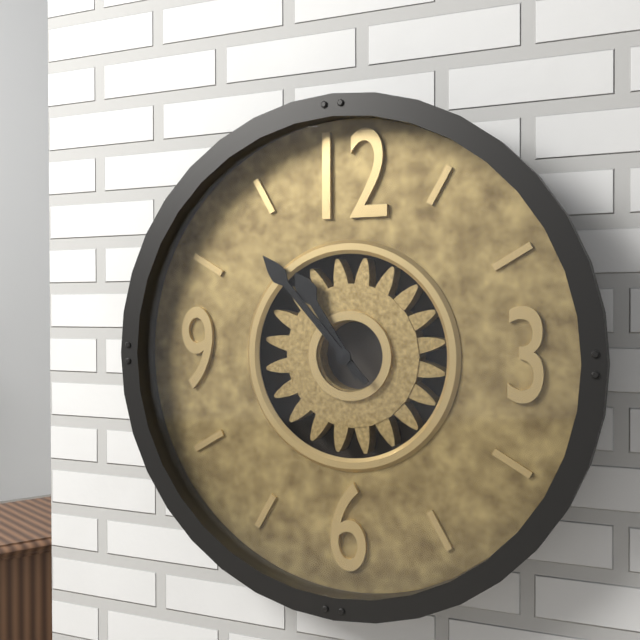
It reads **10:53**
